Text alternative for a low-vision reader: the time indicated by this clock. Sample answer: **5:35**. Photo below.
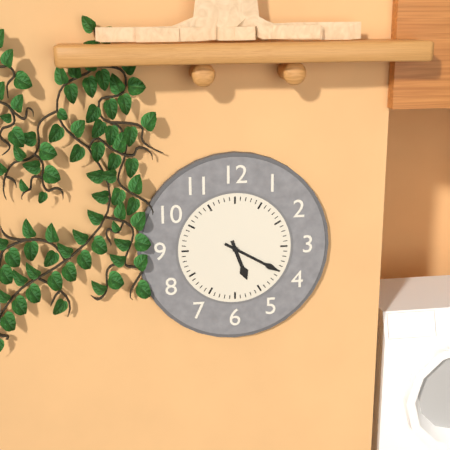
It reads **5:20**
